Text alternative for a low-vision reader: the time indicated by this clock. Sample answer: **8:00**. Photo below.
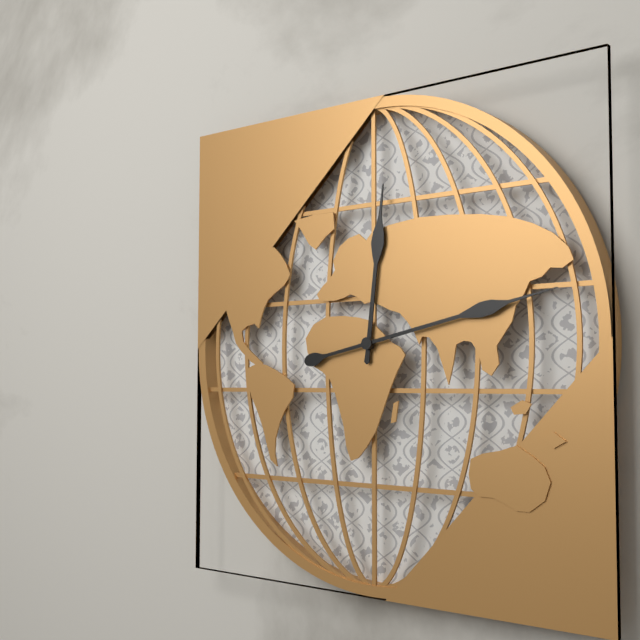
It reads **12:13**
